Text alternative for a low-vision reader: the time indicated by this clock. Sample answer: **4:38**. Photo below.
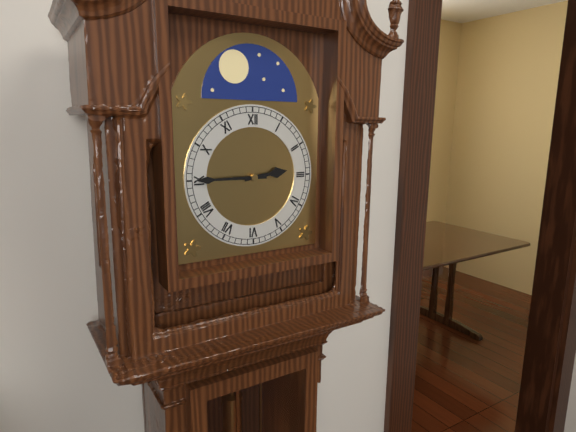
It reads **2:45**
